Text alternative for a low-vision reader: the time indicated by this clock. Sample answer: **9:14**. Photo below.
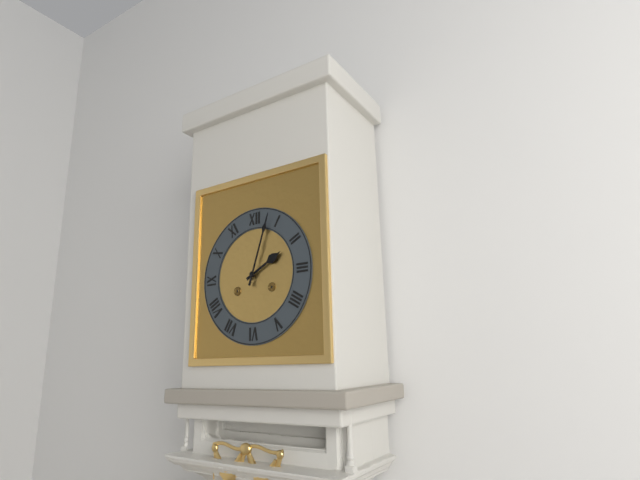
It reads **2:03**
